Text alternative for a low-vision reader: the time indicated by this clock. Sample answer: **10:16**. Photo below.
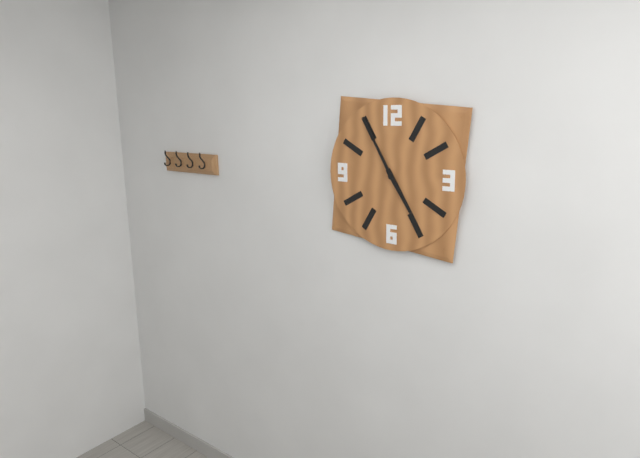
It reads **4:55**
